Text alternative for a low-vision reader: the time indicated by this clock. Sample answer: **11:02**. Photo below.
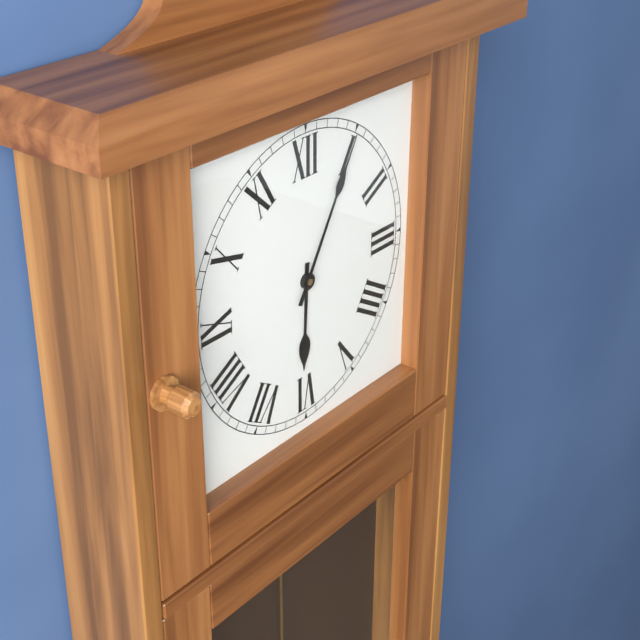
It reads **6:05**
